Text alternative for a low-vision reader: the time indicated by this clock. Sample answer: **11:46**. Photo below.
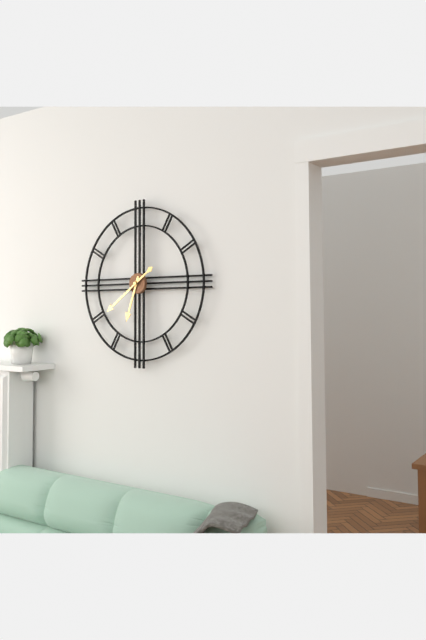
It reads **6:39**
